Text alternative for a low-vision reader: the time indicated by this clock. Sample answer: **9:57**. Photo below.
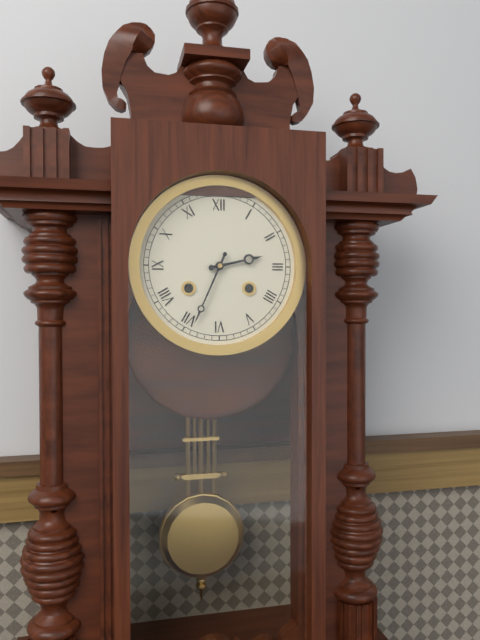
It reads **2:34**
